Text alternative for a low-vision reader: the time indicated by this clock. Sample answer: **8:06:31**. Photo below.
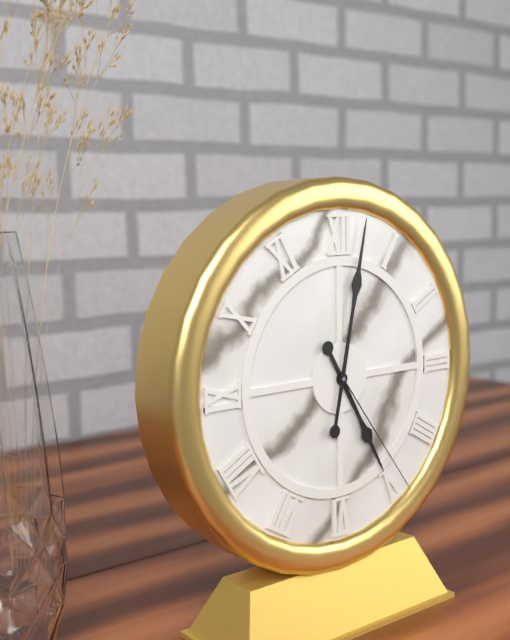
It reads **5:02:24**
